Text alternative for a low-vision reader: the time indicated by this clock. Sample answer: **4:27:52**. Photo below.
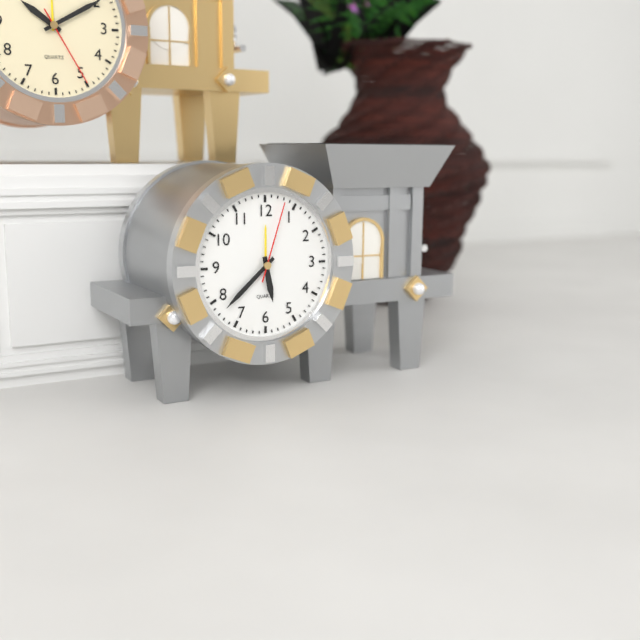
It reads **5:38:03**
